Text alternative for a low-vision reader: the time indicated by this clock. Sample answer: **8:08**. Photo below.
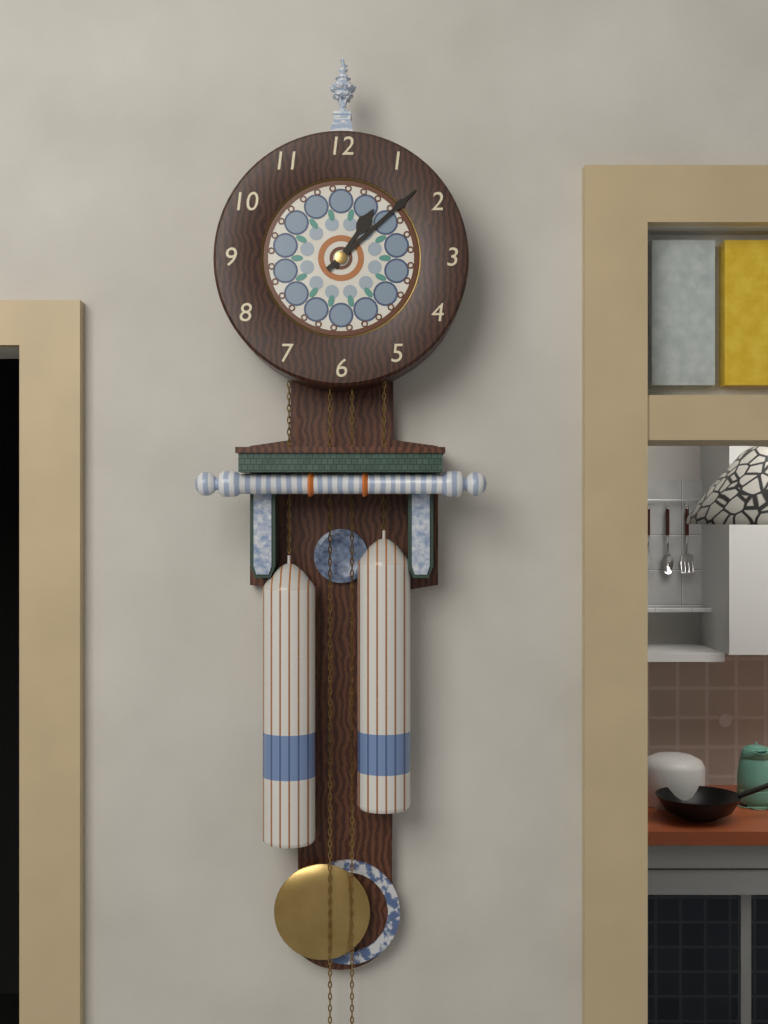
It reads **1:08**
